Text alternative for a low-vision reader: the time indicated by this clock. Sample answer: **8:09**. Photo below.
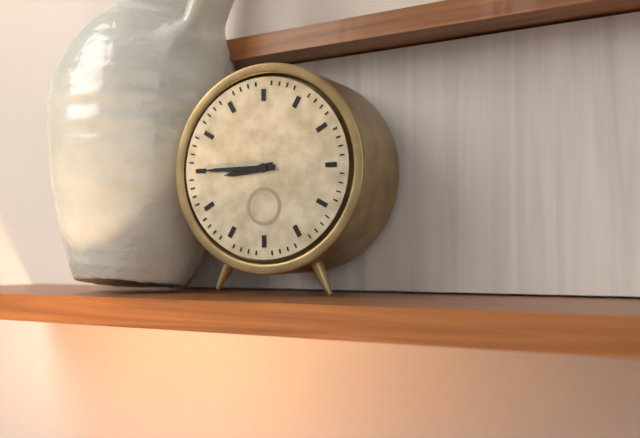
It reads **8:45**
